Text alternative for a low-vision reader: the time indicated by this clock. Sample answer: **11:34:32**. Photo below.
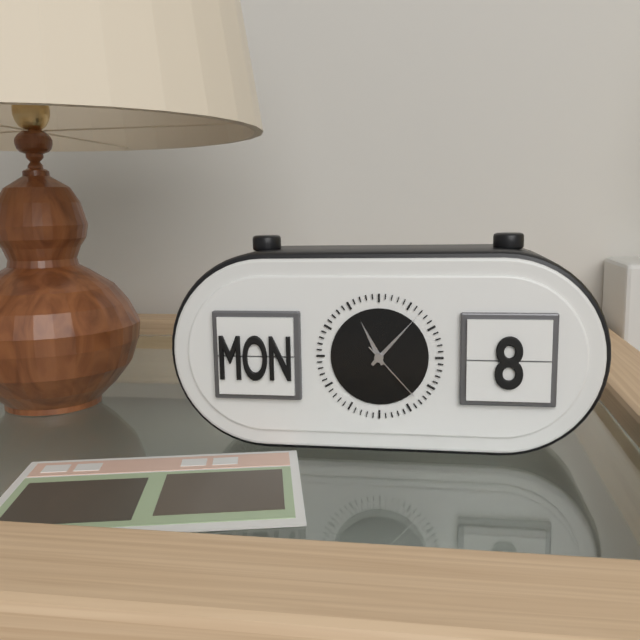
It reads **11:07:23**
